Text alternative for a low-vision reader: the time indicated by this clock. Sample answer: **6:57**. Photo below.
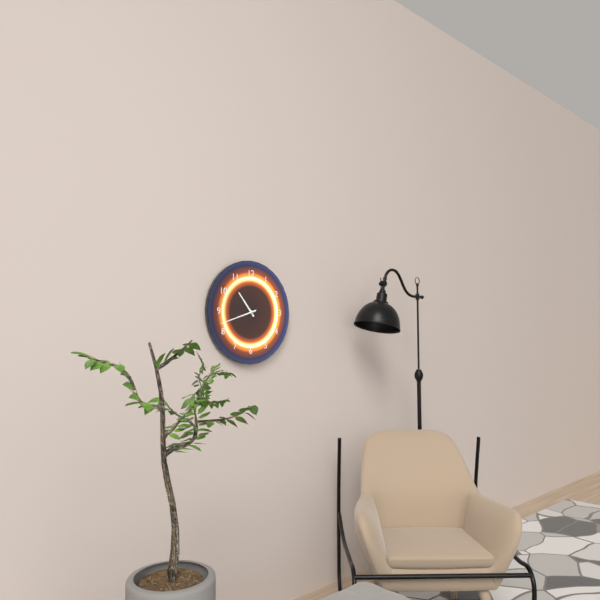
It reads **10:42**
